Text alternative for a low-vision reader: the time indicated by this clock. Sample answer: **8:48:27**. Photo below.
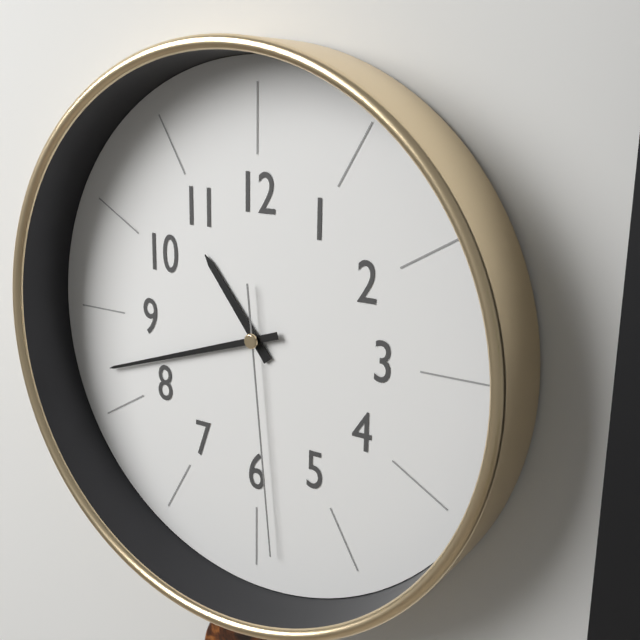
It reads **10:42:29**
